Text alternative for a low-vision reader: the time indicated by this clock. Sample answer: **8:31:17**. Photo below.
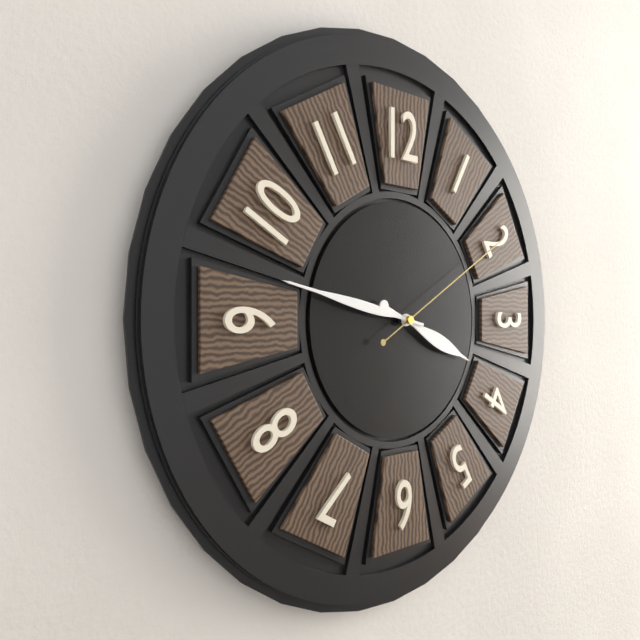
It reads **3:47:10**
